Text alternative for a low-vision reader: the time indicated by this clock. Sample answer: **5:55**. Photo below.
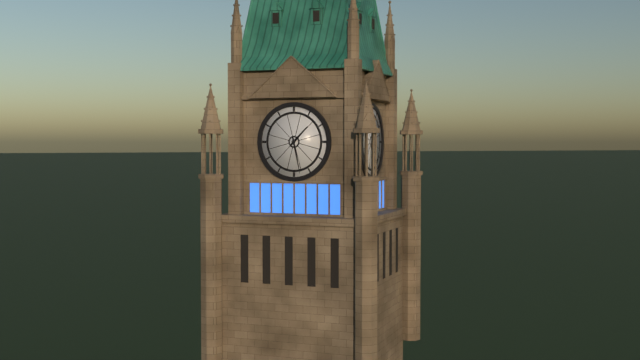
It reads **1:28**
